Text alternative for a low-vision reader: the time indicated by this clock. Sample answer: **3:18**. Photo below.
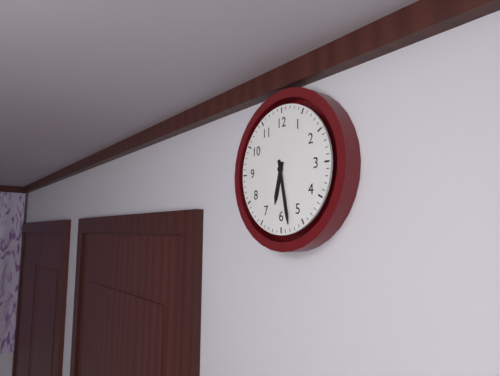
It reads **6:28**
